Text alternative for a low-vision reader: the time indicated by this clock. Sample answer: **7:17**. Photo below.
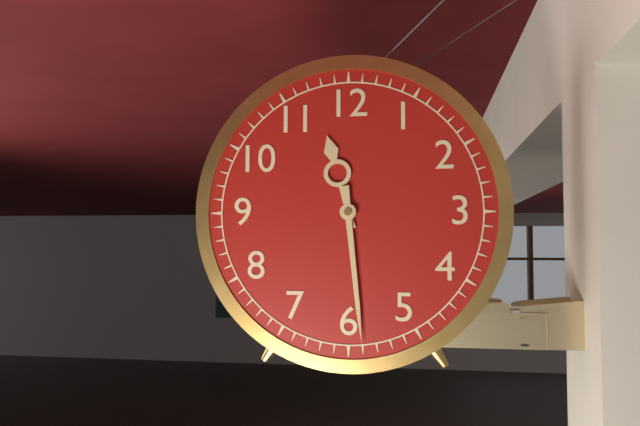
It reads **11:29**
